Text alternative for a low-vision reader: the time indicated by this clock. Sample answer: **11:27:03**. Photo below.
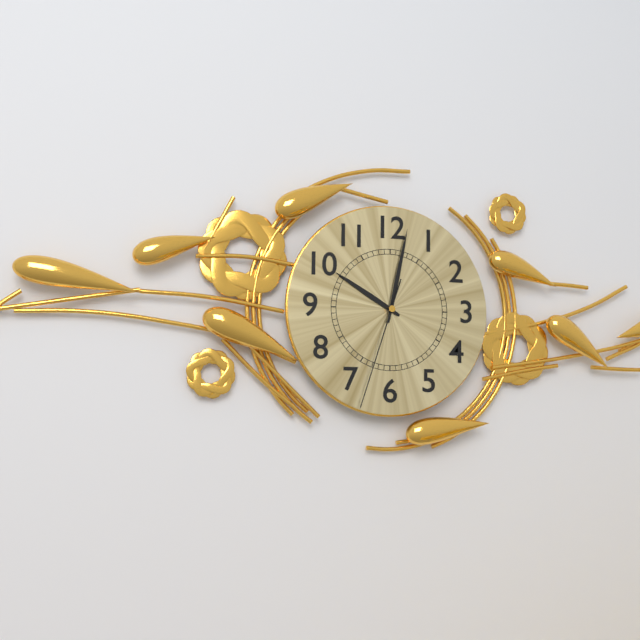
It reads **10:02:33**
